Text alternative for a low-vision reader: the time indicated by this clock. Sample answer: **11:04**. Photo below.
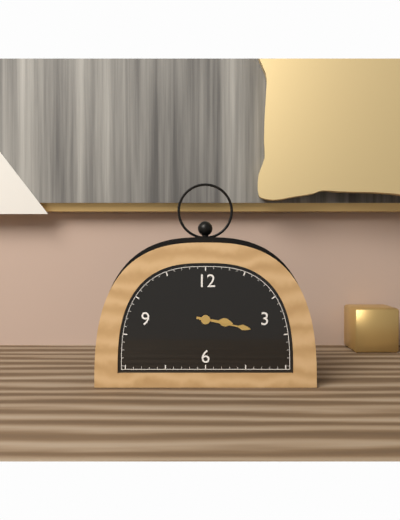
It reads **3:17**
